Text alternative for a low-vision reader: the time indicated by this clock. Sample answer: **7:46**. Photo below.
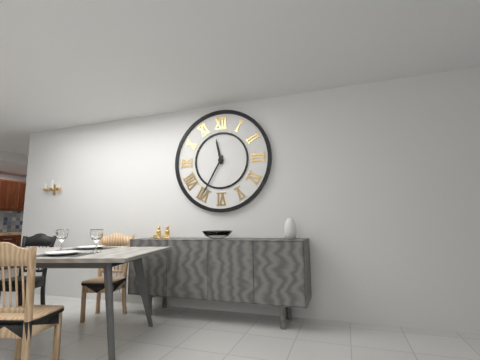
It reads **11:35**
